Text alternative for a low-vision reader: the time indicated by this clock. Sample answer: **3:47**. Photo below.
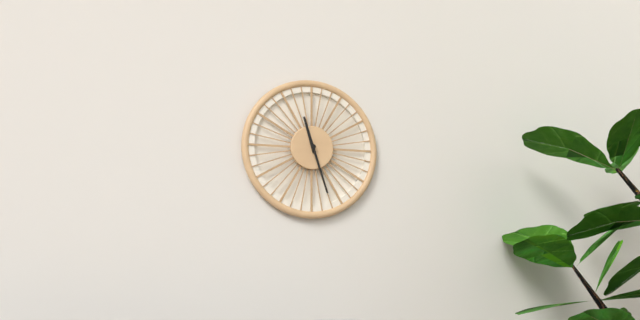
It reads **11:27**
